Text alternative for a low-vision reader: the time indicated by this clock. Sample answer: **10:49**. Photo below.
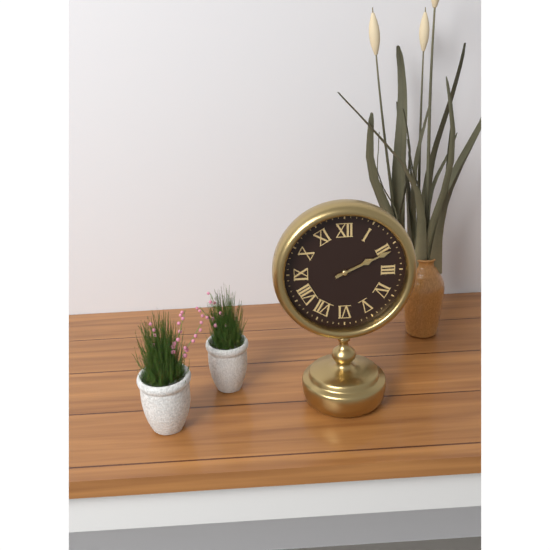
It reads **2:11**
